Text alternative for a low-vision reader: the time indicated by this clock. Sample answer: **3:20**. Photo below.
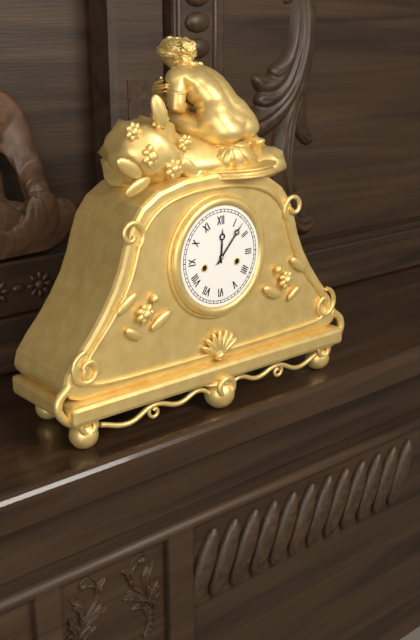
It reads **12:07**
